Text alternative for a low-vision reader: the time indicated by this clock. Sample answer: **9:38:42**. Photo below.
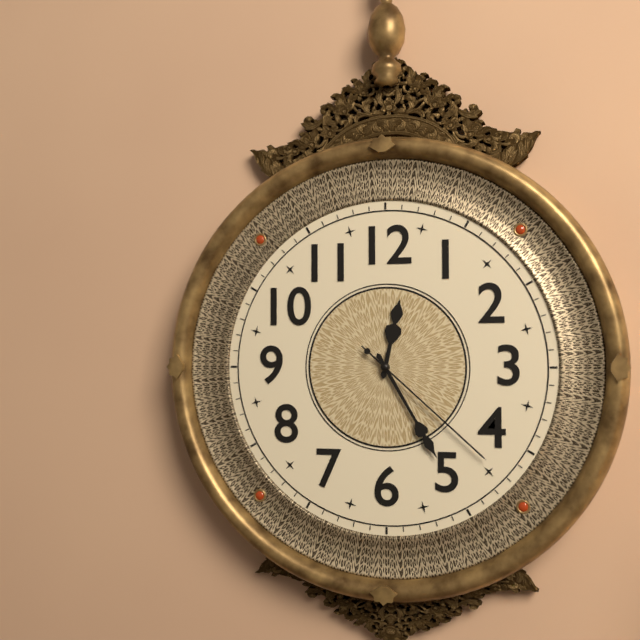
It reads **12:25:22**
